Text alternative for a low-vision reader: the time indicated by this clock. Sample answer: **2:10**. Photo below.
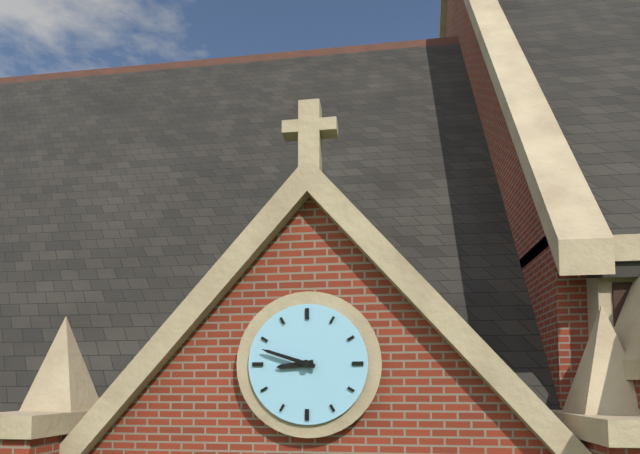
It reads **8:48**
